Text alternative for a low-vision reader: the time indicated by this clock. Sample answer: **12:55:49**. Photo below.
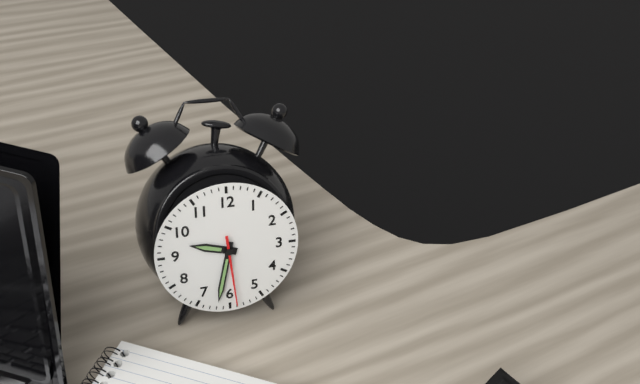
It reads **9:32:29**
